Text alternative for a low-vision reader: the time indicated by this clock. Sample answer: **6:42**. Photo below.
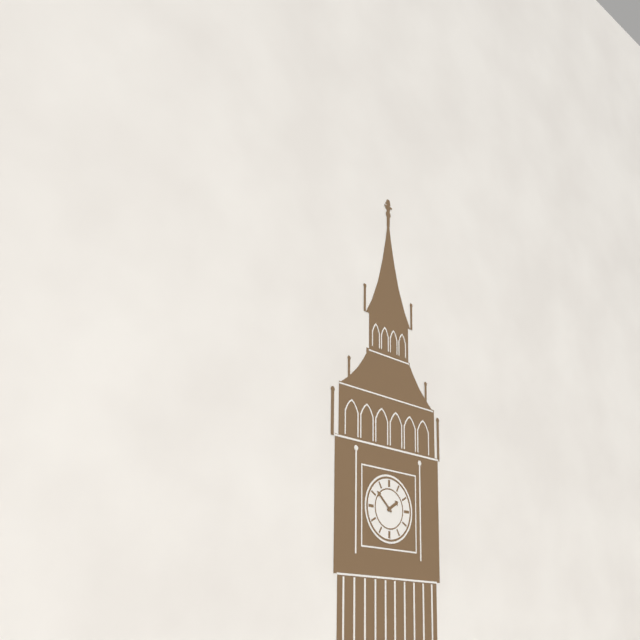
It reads **1:52**
